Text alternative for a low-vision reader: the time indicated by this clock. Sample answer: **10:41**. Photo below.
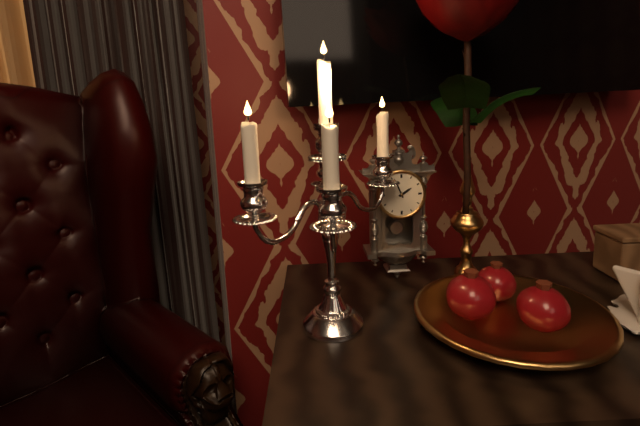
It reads **1:56**
